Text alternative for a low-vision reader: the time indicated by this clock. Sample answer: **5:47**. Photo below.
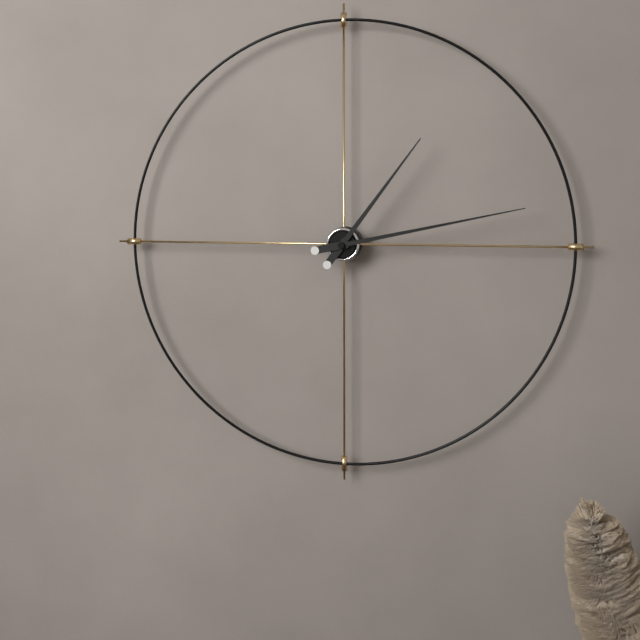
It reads **1:13**
